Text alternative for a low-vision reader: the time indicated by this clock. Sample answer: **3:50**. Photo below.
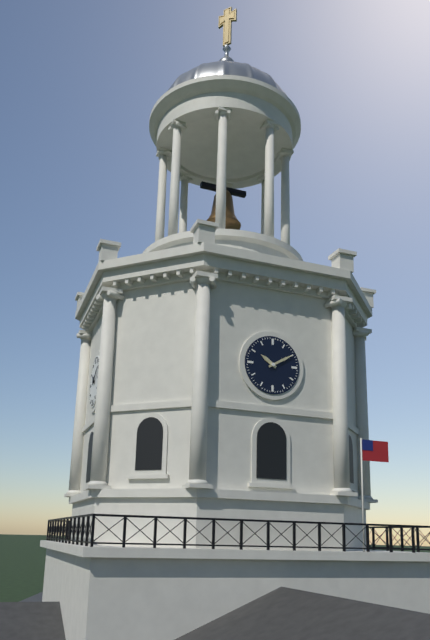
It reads **10:10**
